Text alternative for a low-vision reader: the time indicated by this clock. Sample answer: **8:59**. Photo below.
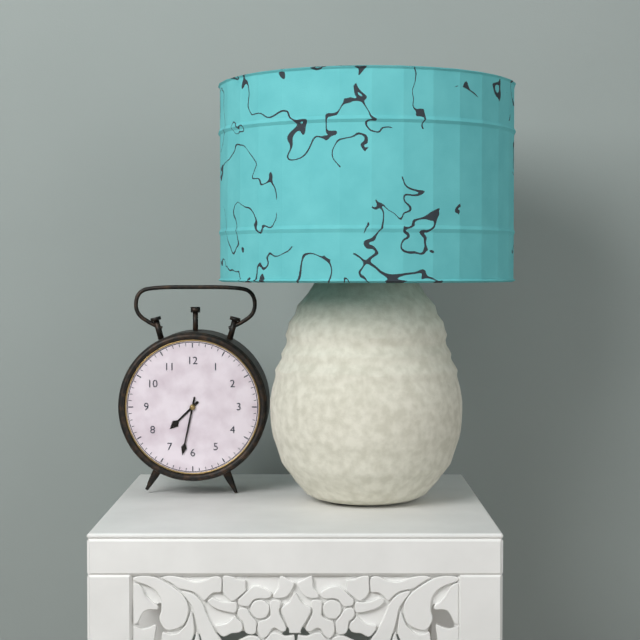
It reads **7:32**
